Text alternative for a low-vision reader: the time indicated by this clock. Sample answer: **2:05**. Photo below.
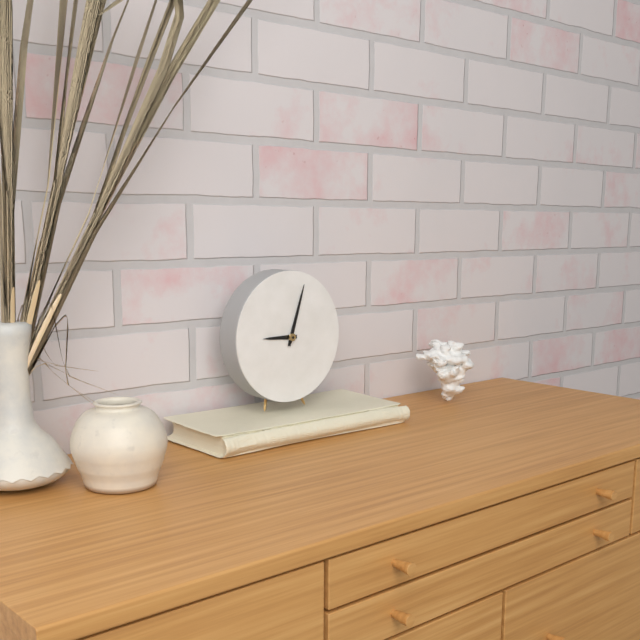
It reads **9:03**
